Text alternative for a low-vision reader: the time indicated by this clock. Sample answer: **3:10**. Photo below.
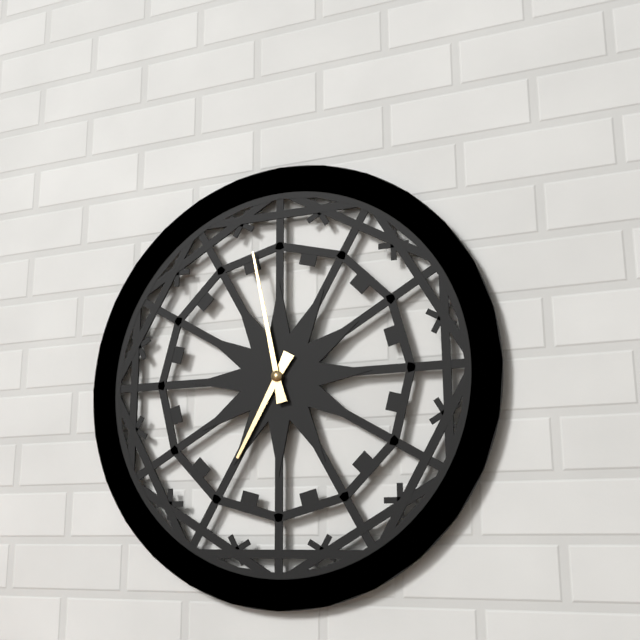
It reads **6:58**
